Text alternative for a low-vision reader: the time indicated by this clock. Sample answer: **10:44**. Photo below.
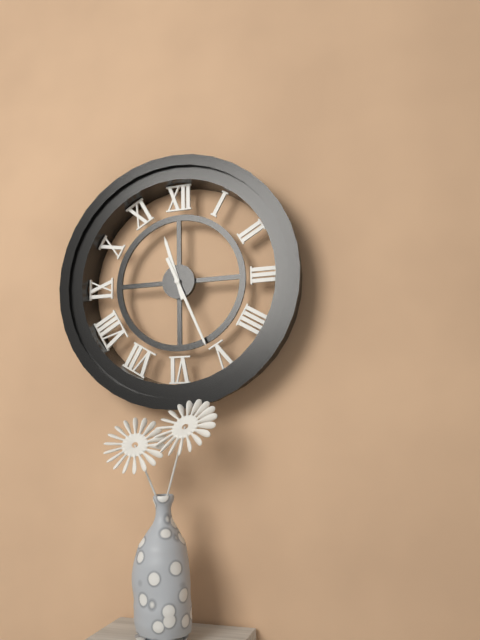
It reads **11:26**
